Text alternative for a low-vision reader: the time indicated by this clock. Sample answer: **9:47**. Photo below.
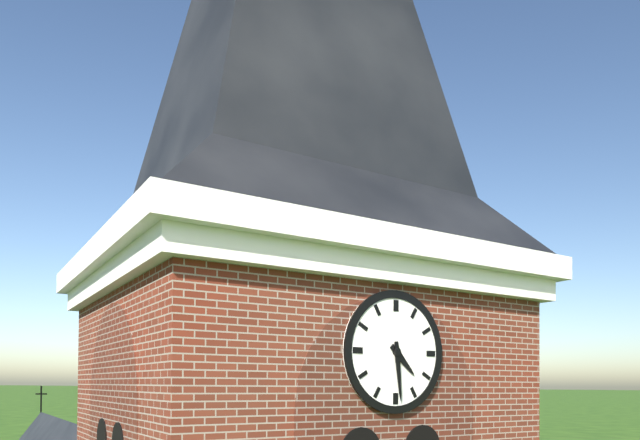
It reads **4:29**
